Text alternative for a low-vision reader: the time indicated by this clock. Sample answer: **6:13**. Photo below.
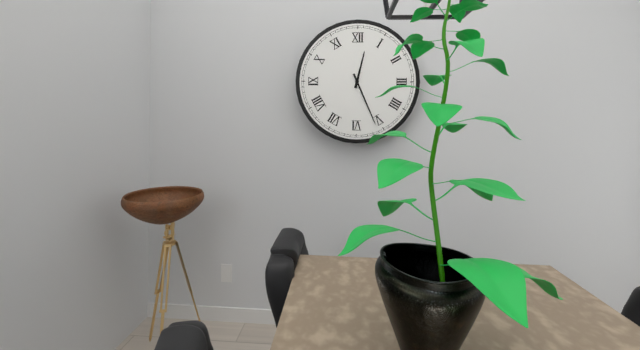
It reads **12:26**
